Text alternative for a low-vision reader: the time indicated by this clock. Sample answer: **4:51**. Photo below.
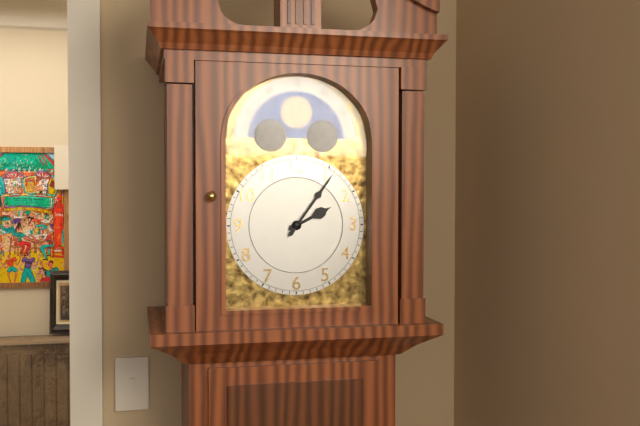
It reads **2:06**
